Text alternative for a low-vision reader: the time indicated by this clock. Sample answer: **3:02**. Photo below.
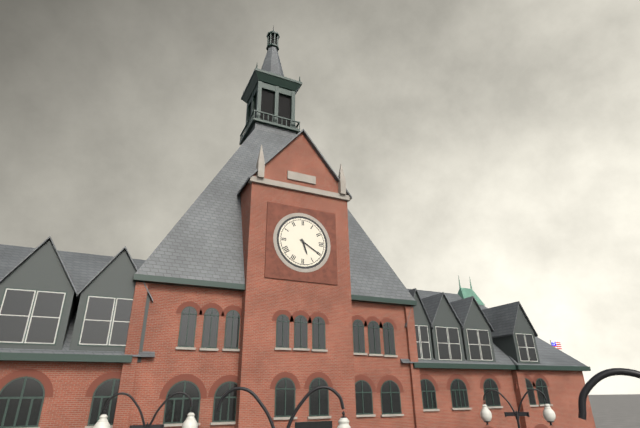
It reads **5:20**
